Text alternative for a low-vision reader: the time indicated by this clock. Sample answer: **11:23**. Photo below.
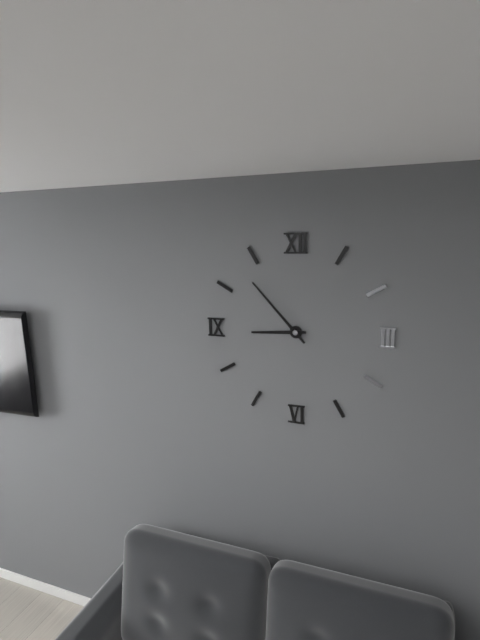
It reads **8:53**
